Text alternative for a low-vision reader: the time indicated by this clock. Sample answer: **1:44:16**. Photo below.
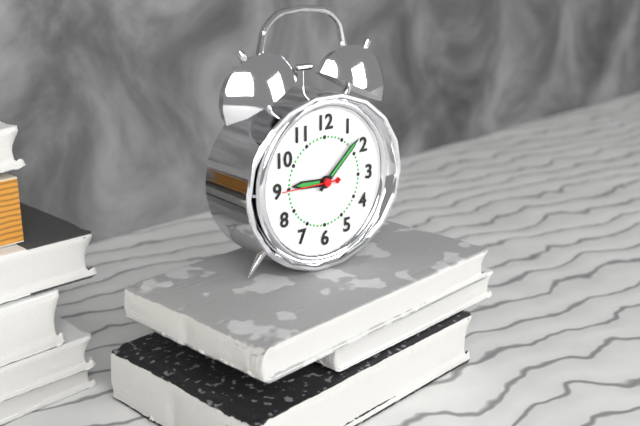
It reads **9:08:45**
